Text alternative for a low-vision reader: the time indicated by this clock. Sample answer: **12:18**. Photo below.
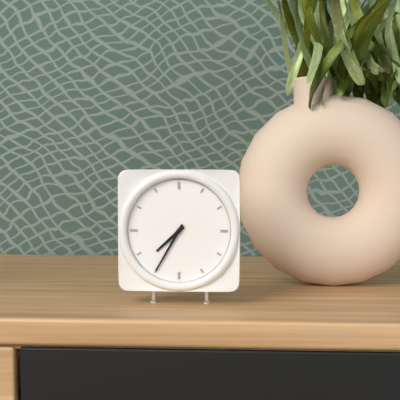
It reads **7:35**
